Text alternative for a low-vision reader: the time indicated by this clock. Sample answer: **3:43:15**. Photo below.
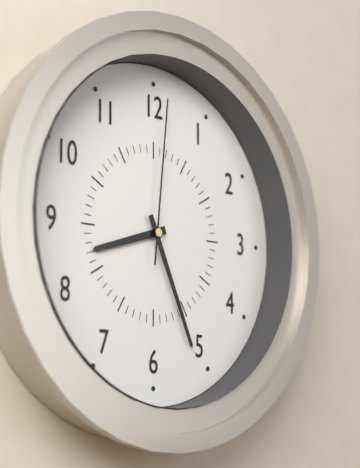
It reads **8:26:01**
